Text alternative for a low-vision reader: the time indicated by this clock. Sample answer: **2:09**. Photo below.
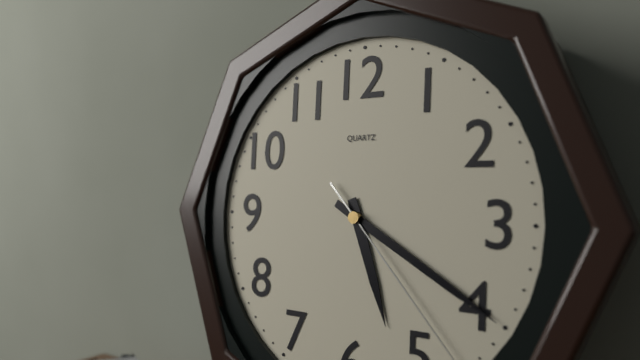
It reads **5:20**
